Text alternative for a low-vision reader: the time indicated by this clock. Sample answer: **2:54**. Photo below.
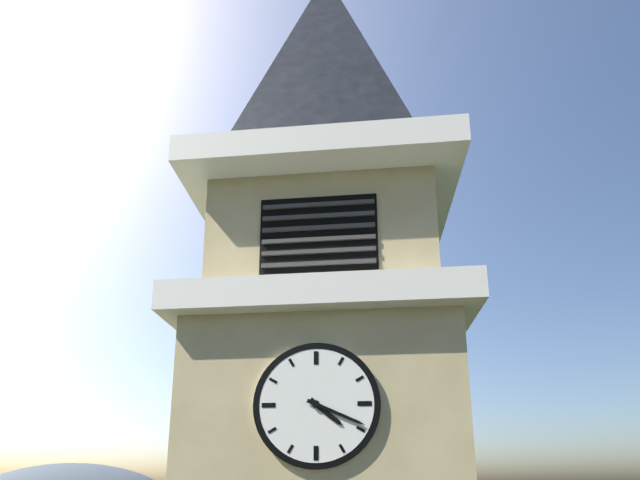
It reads **4:19**
